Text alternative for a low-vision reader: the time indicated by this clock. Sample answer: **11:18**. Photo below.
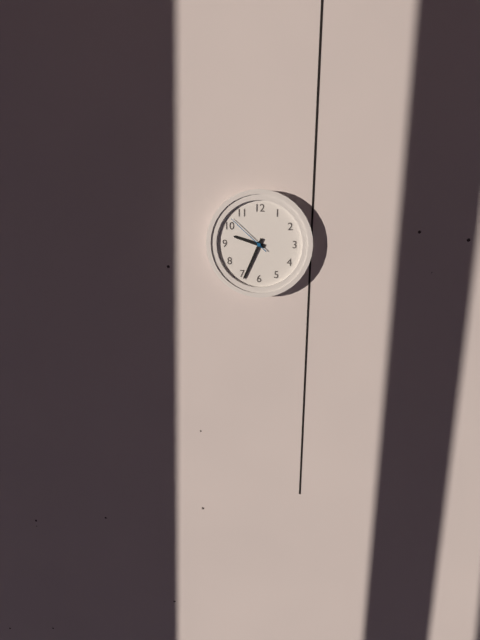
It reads **9:34**
